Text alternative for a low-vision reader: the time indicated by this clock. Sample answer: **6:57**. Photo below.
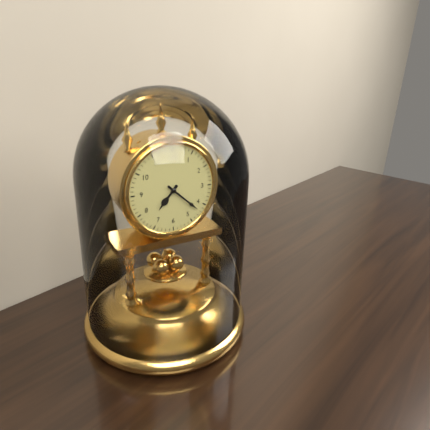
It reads **7:22**
